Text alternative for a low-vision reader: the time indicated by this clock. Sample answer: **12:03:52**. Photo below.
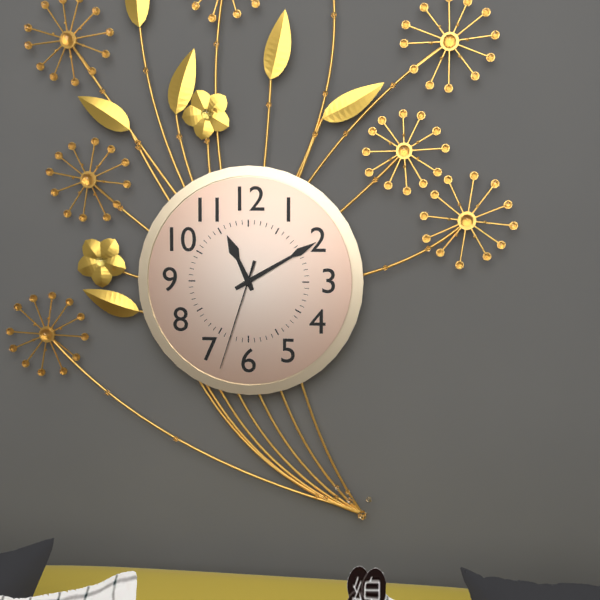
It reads **11:10:33**
